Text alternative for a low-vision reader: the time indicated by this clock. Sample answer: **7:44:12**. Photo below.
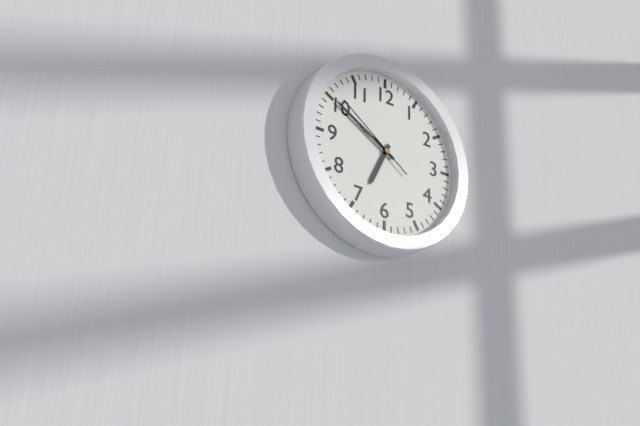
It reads **6:50:51**
